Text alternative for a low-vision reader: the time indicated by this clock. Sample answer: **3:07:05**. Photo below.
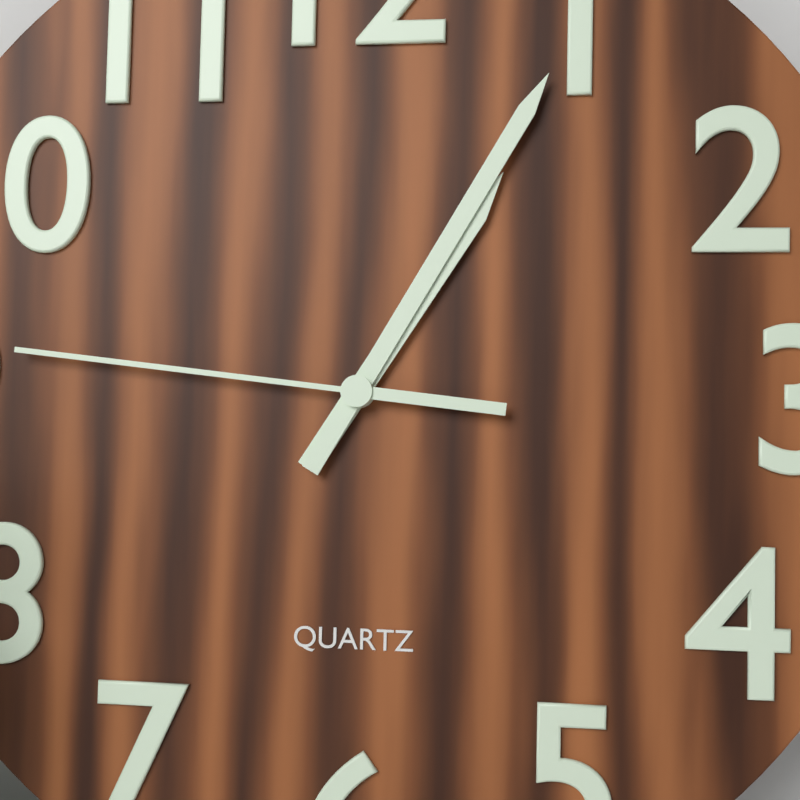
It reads **1:05:46**
